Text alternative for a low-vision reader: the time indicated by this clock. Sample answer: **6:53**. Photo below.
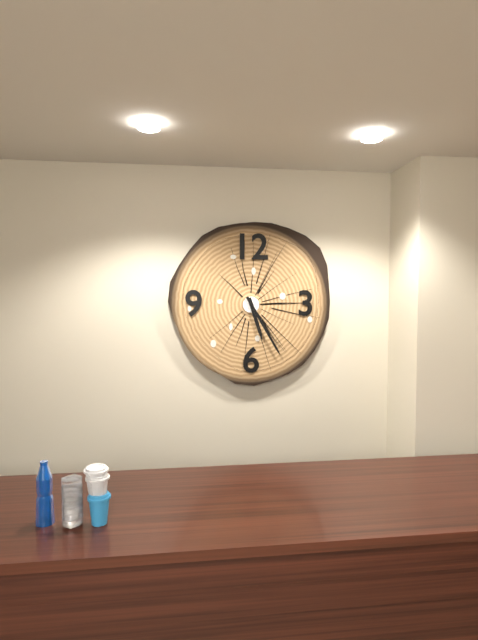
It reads **5:25**
